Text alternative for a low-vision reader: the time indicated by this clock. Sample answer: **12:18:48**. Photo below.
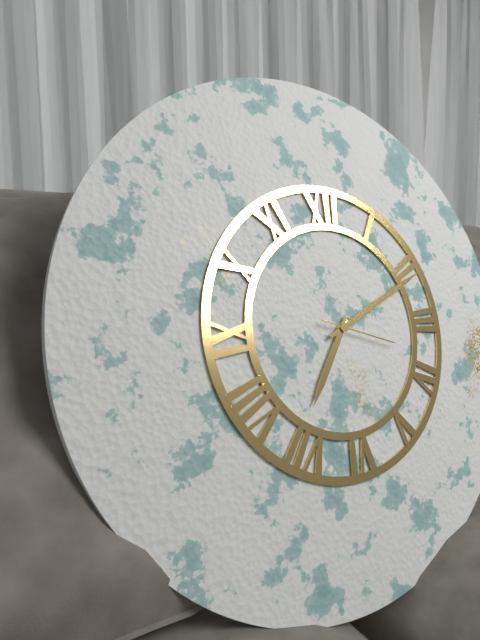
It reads **7:11:18**
